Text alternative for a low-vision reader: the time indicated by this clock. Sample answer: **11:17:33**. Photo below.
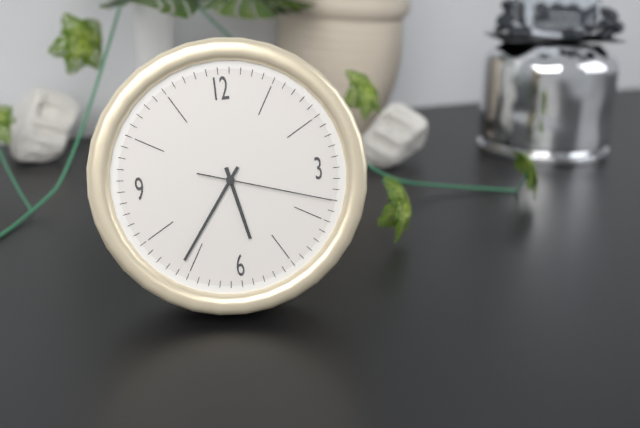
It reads **5:36:18**
